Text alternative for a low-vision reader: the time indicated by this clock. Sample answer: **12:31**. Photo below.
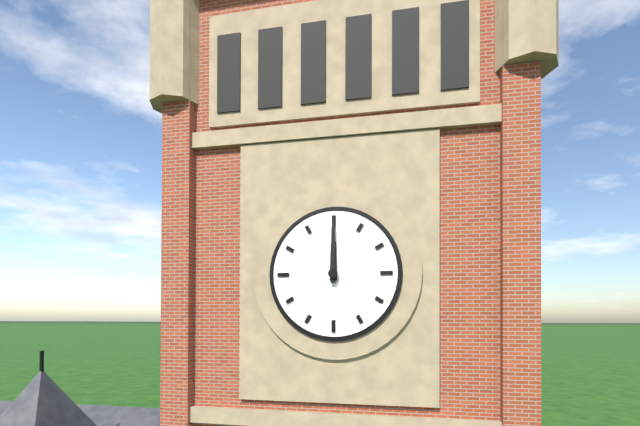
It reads **12:00**
